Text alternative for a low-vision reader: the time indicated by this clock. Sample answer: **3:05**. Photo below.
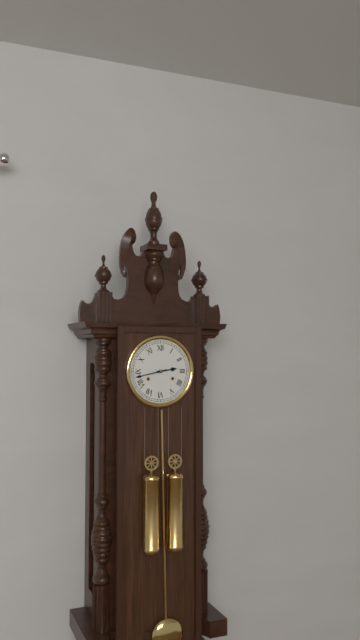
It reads **2:43**
